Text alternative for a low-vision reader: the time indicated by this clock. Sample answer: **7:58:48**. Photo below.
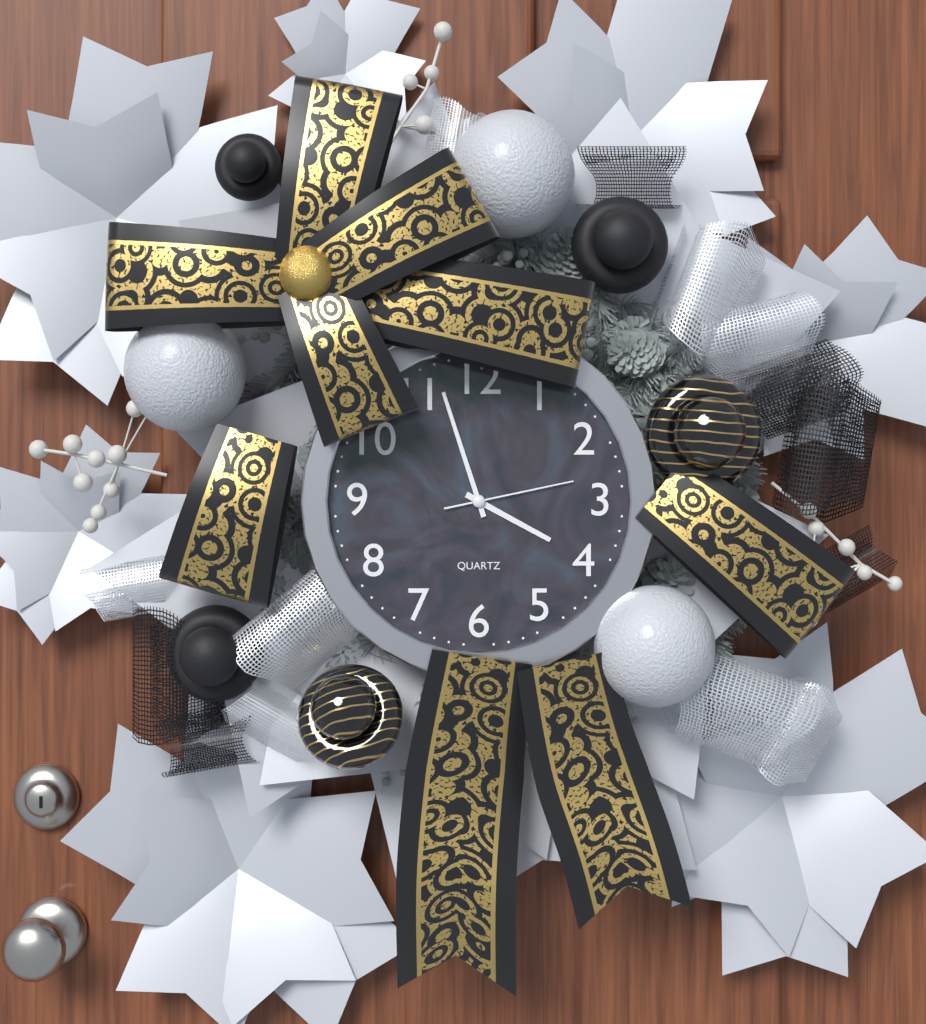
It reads **3:57:13**
